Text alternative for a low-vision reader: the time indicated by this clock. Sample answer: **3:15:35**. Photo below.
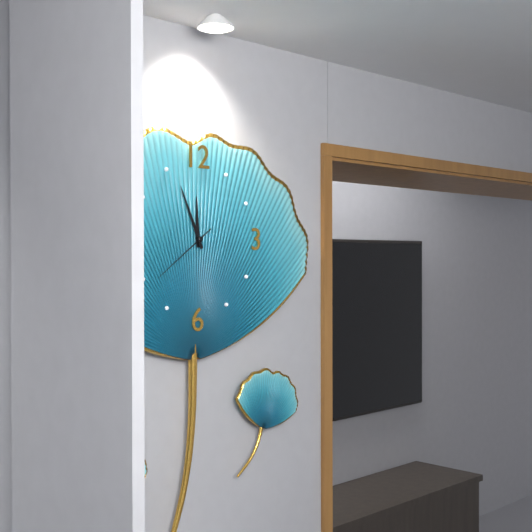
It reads **11:56:39**
